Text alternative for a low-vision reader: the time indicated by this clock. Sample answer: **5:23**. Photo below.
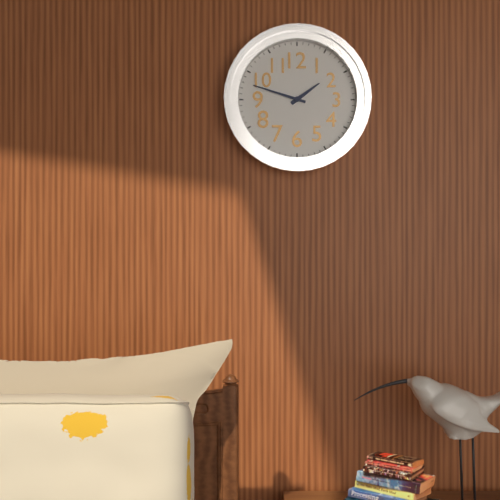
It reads **1:48**
